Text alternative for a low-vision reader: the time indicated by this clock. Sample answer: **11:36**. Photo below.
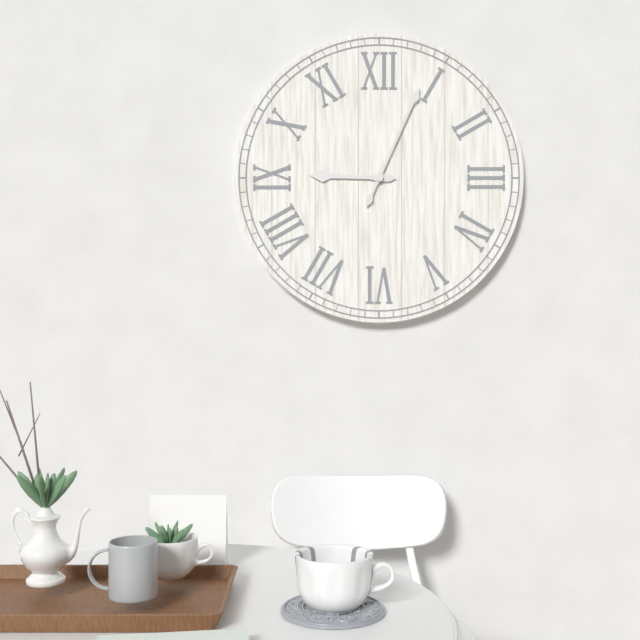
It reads **9:04**
